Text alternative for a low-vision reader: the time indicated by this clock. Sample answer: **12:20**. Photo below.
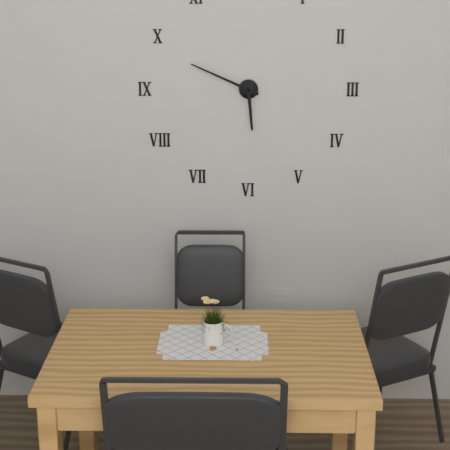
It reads **5:49**
